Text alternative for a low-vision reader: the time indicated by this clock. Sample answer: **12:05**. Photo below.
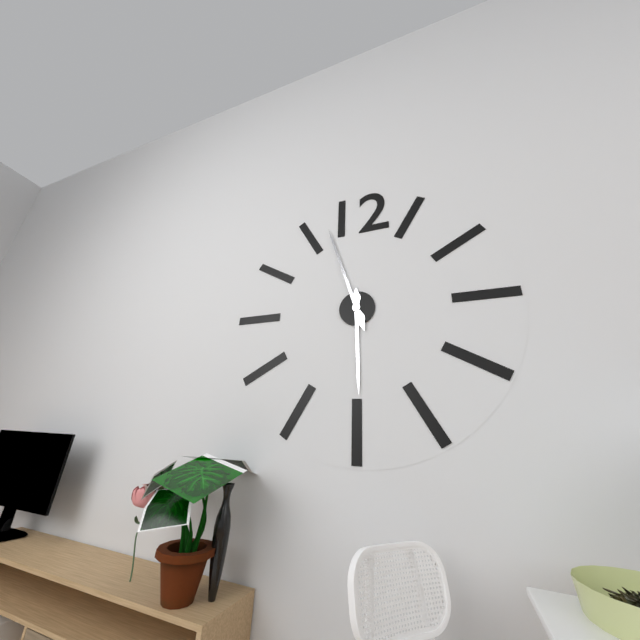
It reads **5:57**
